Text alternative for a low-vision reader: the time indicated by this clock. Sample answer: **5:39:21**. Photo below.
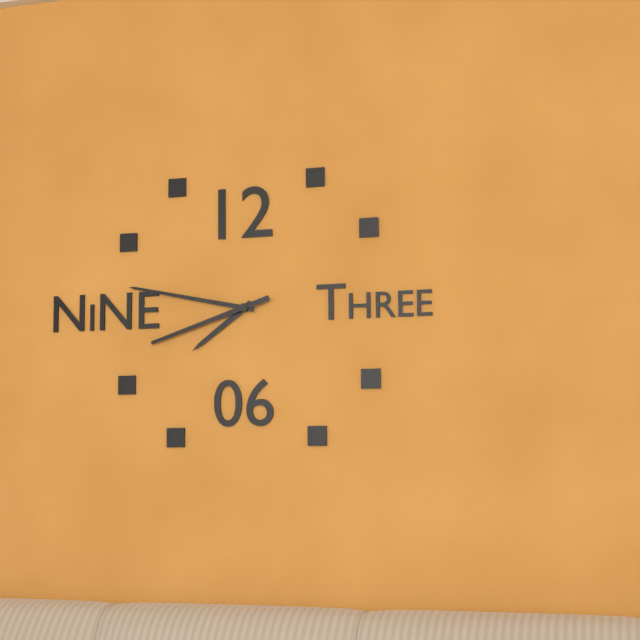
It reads **7:47:42**
